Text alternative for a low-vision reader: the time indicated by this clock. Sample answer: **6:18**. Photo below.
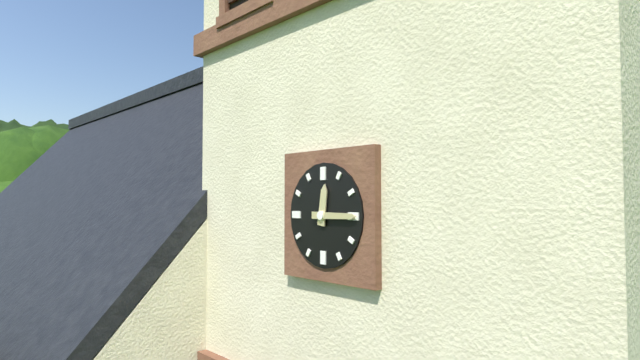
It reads **12:15**
